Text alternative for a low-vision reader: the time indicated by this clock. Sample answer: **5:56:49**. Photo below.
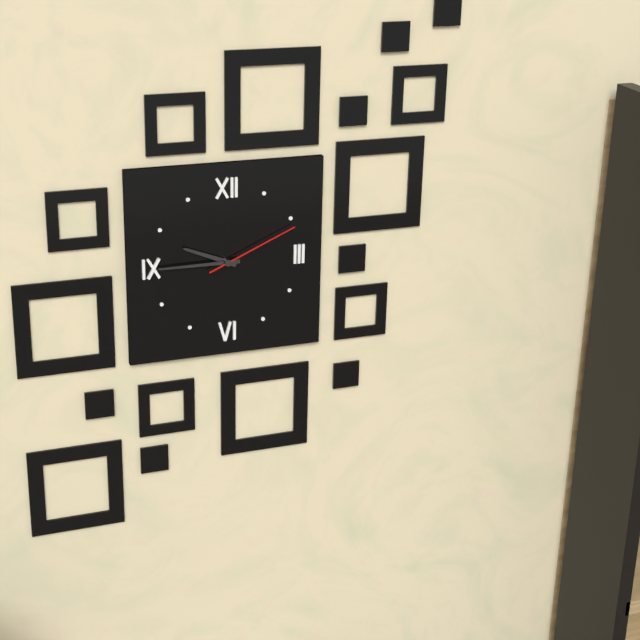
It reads **9:45:11**
